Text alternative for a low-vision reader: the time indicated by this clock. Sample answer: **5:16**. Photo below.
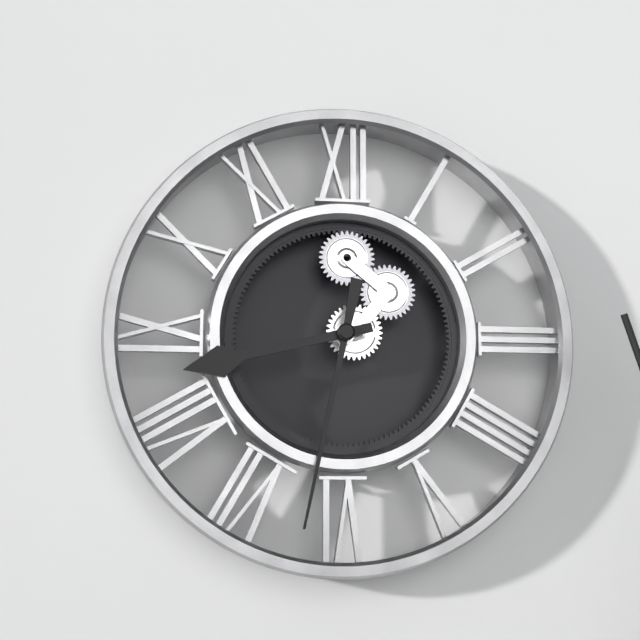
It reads **8:32**
